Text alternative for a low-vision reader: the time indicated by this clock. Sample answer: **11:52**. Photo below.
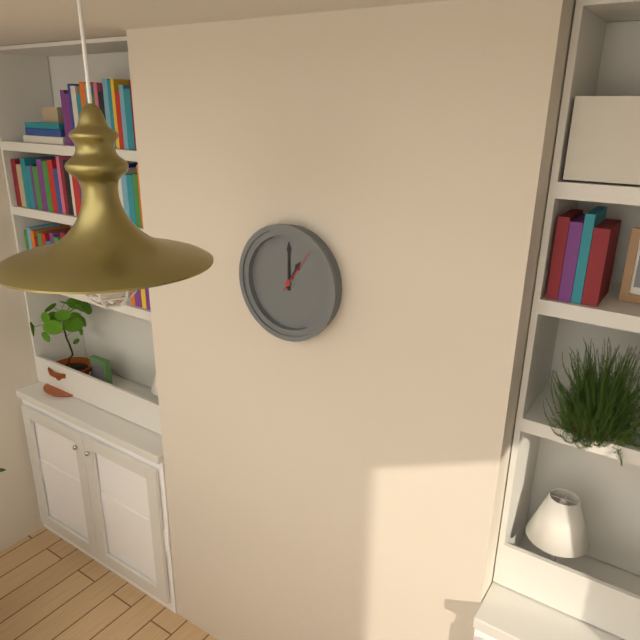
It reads **1:00**
